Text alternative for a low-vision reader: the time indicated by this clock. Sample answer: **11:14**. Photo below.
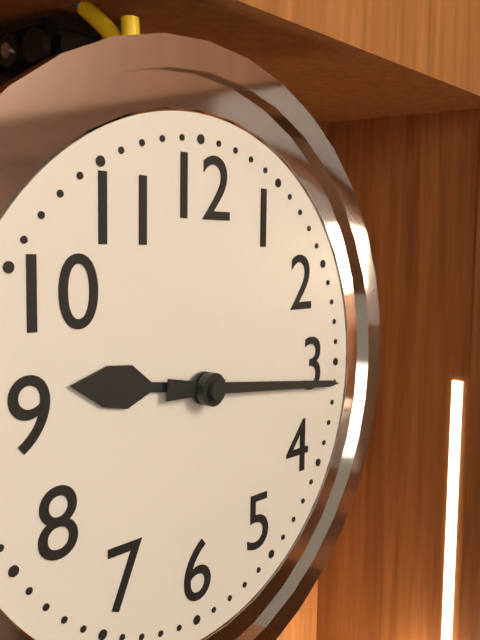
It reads **9:16**
